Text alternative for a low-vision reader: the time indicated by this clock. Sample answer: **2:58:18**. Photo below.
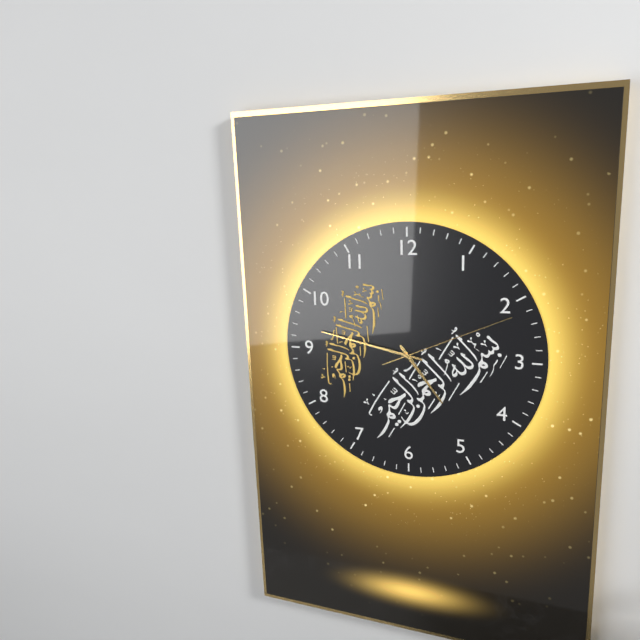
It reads **4:47:11**
